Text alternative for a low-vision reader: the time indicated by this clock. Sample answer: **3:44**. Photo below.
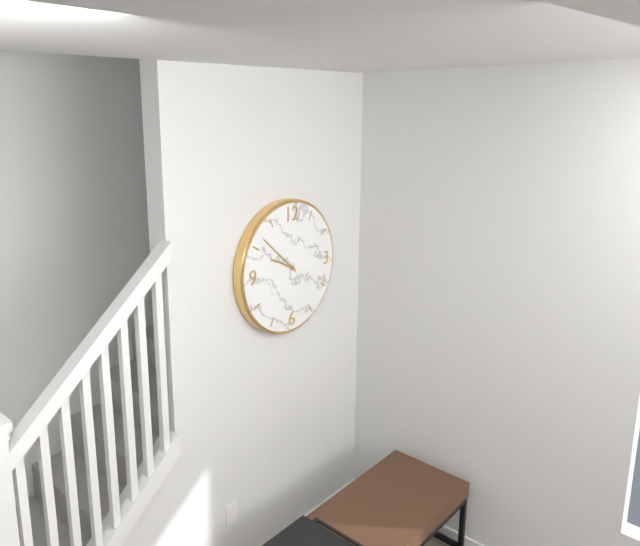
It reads **9:52**
